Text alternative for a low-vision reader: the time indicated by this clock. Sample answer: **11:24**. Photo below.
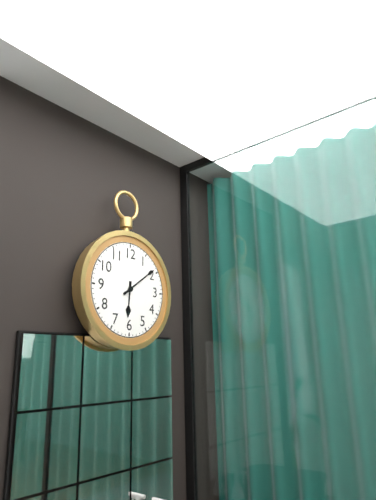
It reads **6:09**
